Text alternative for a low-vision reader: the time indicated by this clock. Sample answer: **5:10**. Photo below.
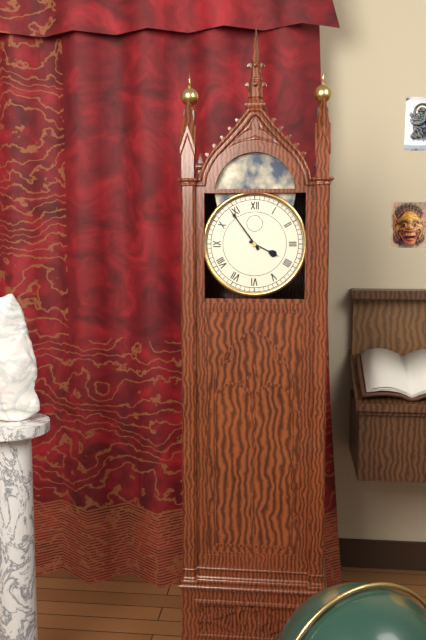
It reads **3:54**
